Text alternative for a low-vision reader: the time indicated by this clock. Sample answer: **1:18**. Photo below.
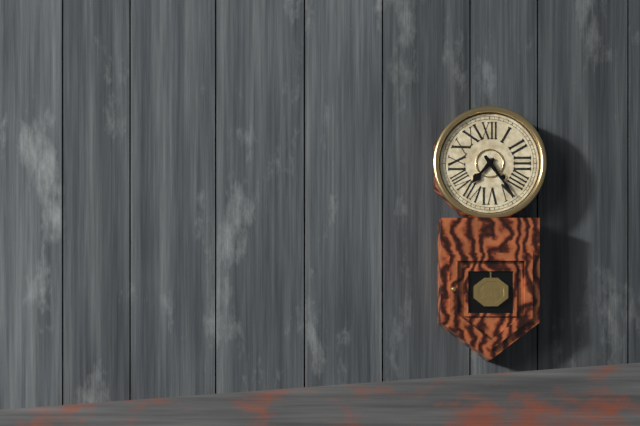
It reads **7:24**
